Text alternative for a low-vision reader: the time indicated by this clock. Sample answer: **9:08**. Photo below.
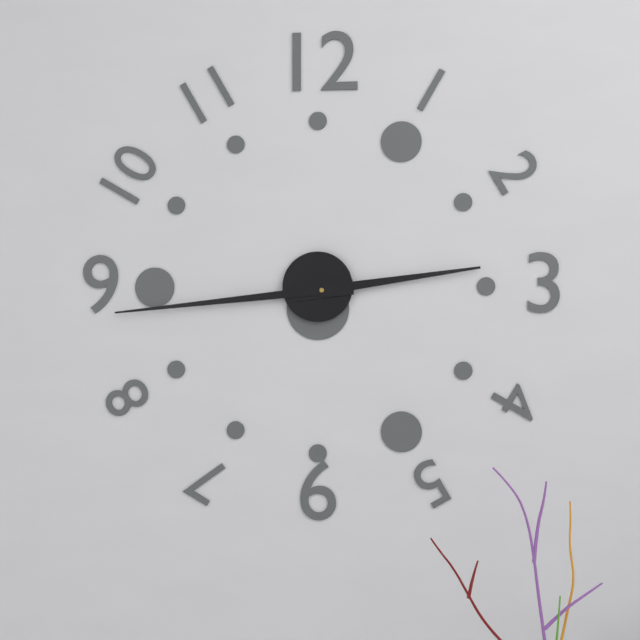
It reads **2:44**
